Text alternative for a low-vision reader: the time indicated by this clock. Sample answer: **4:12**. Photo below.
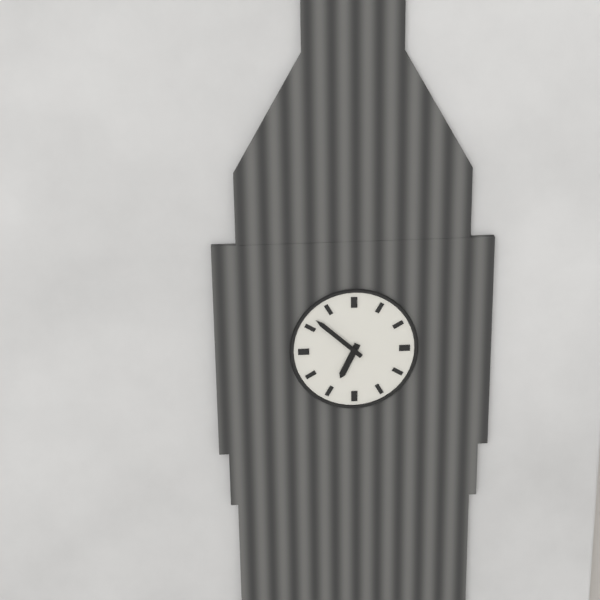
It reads **6:52**
